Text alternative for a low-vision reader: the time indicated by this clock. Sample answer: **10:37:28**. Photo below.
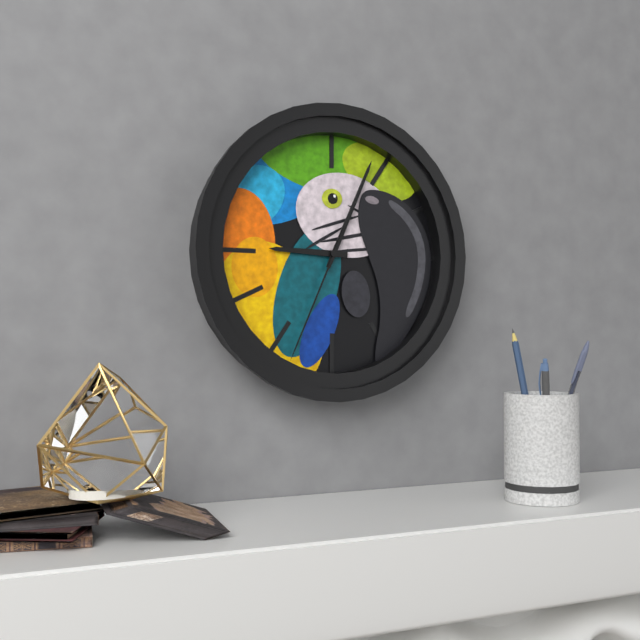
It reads **9:04:34**
